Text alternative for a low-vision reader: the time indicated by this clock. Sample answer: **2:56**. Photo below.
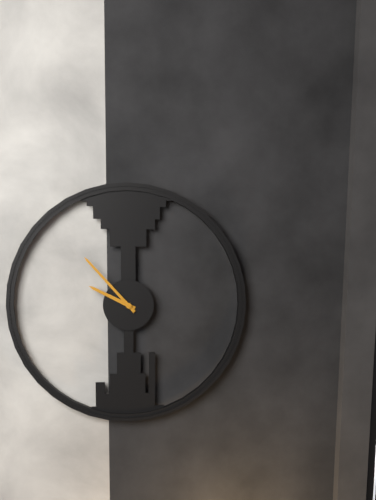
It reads **9:53**
